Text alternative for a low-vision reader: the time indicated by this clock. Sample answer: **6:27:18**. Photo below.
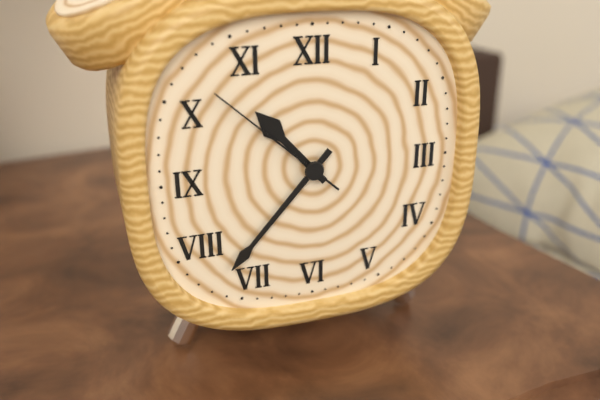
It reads **10:37:52**
